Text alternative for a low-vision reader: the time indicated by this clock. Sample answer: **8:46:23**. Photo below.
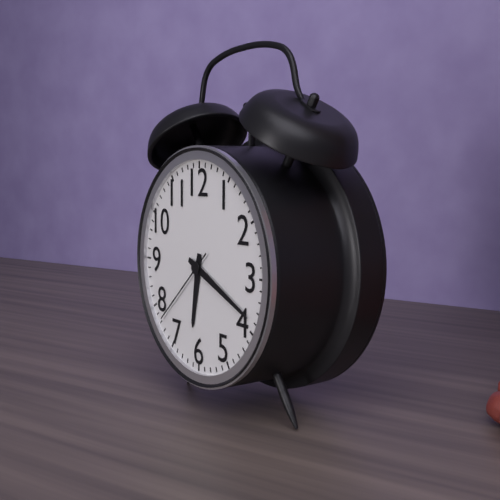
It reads **6:19:38**
